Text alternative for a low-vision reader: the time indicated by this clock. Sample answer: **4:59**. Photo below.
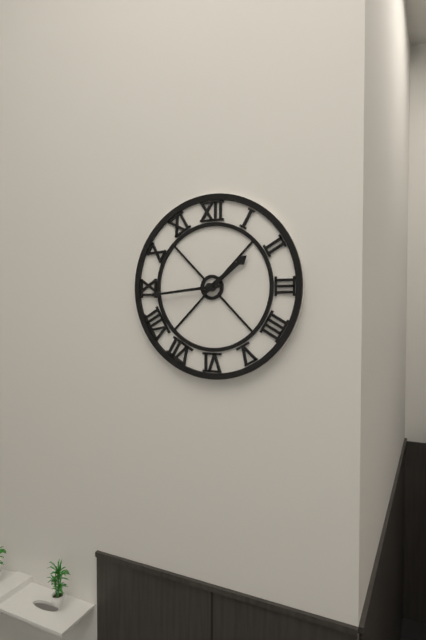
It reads **1:44**
